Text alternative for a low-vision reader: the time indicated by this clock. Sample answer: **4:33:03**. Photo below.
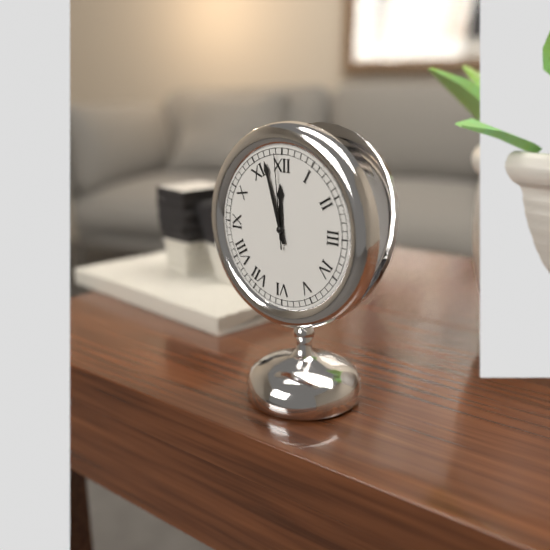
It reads **11:57:59**
